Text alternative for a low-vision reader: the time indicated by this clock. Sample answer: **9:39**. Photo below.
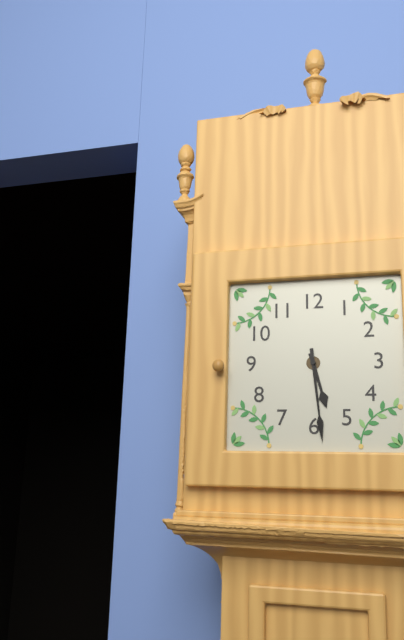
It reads **5:29**
